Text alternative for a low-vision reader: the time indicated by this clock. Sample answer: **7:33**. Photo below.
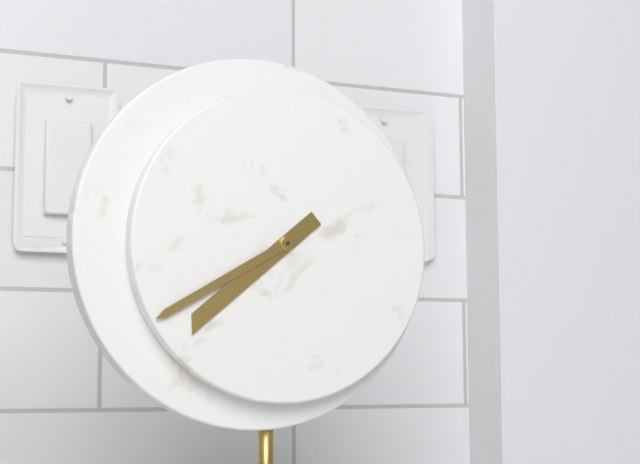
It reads **7:40**
